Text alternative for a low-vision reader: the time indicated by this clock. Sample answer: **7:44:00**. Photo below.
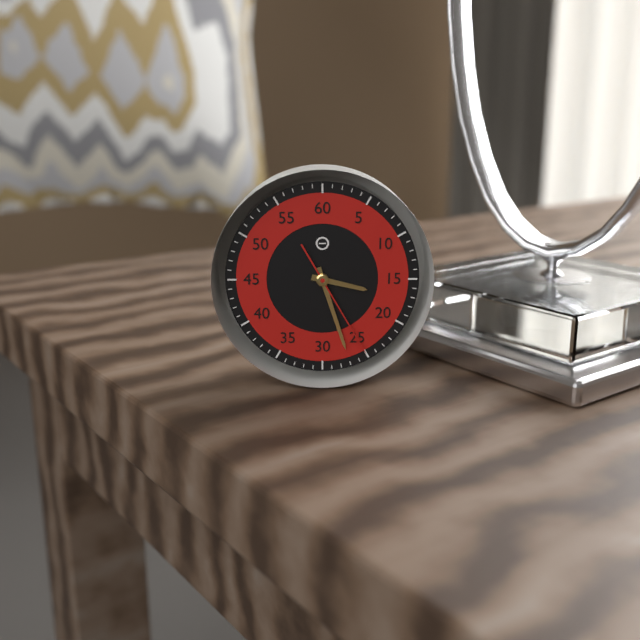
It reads **3:27:25**
